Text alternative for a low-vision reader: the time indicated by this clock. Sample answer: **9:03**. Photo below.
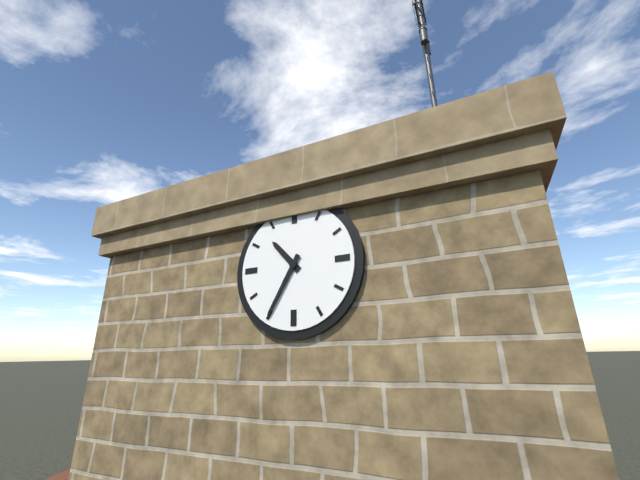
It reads **10:35**
